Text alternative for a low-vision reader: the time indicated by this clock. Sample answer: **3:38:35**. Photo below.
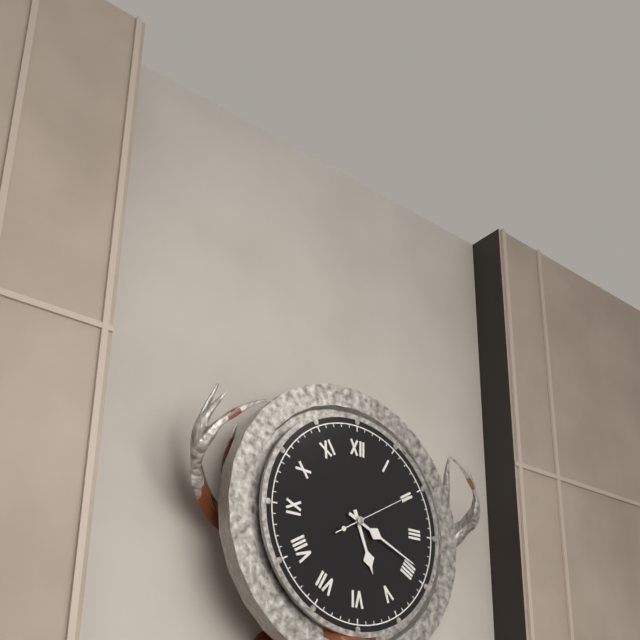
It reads **5:19:10**
